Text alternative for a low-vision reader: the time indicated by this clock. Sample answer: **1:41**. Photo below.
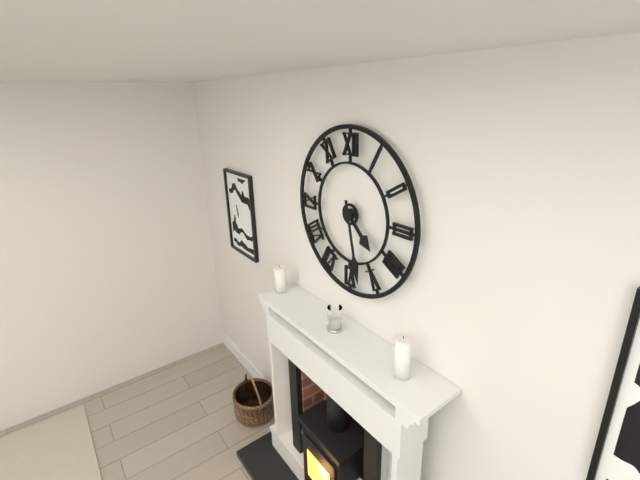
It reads **4:28**
